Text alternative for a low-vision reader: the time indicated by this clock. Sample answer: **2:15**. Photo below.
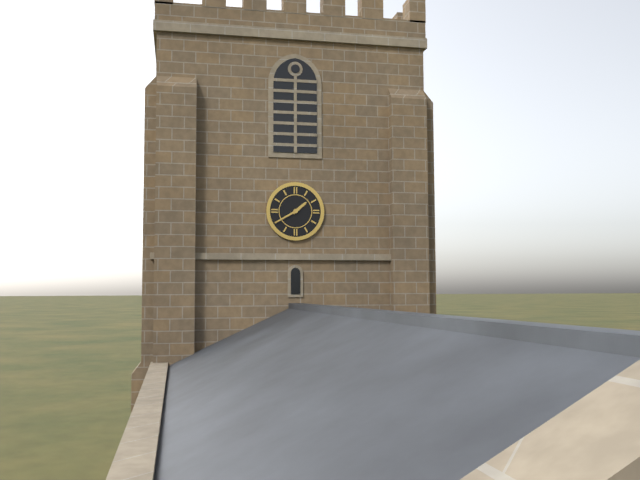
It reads **1:40**
